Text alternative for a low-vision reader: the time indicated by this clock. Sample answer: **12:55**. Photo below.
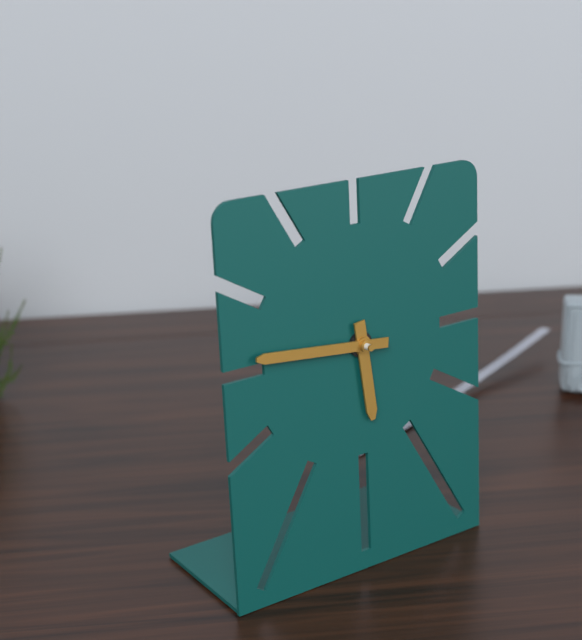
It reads **5:46**
